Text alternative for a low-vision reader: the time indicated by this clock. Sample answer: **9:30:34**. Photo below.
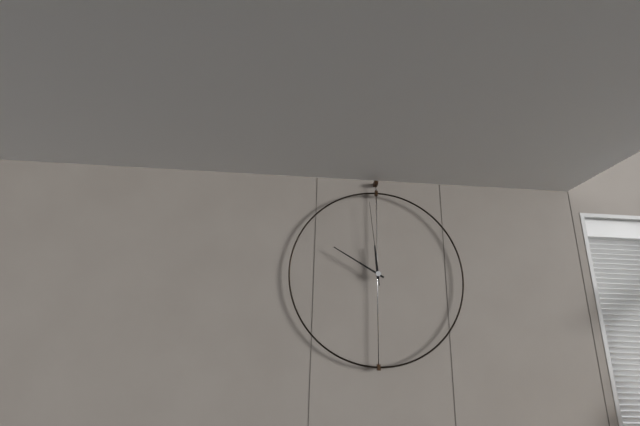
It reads **11:50:59**
